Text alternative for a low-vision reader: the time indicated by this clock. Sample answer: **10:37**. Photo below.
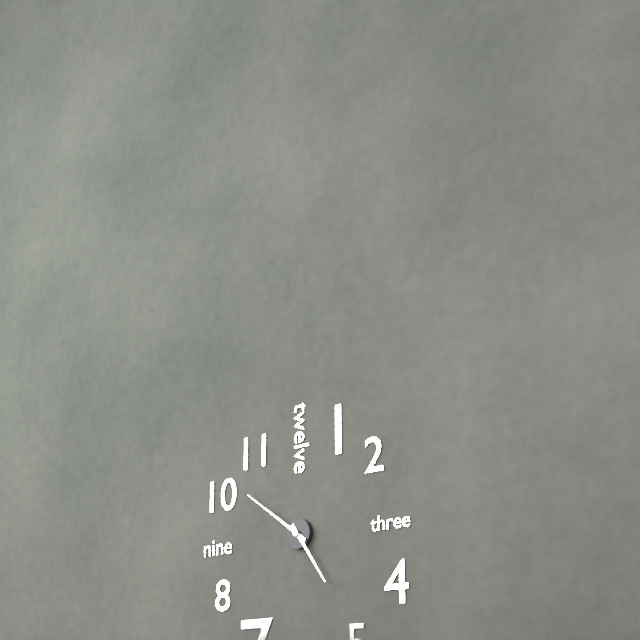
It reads **4:51**
